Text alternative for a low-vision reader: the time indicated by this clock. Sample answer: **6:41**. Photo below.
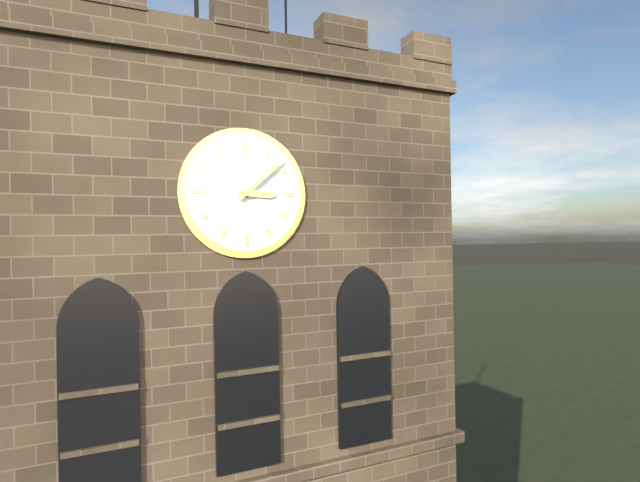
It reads **3:08**
